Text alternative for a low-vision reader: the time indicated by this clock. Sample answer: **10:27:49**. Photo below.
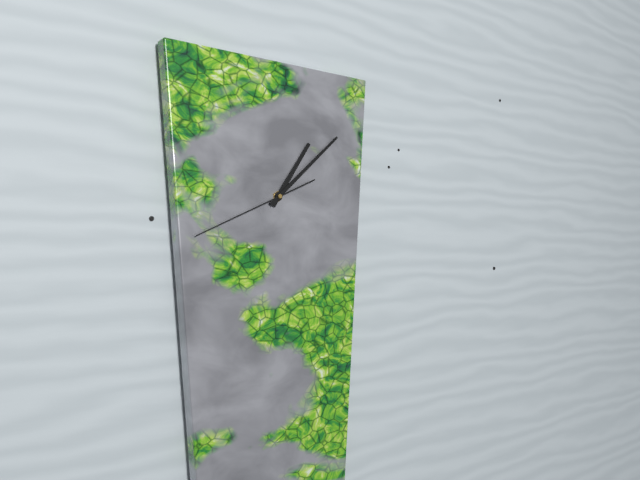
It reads **1:08:41**
